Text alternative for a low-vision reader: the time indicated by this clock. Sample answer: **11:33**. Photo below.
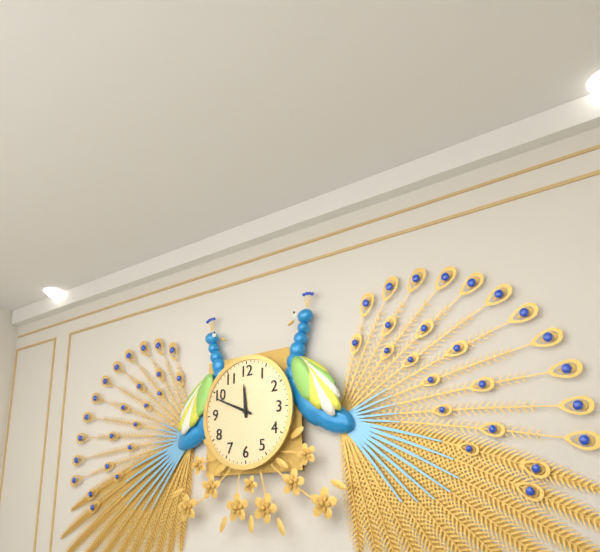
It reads **11:49**
